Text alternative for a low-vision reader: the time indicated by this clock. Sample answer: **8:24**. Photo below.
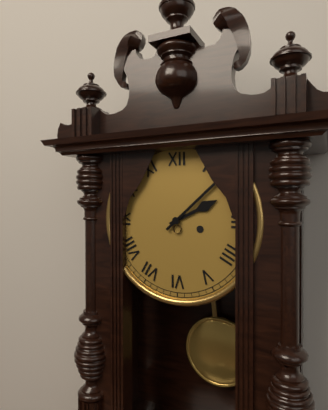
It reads **2:08**
